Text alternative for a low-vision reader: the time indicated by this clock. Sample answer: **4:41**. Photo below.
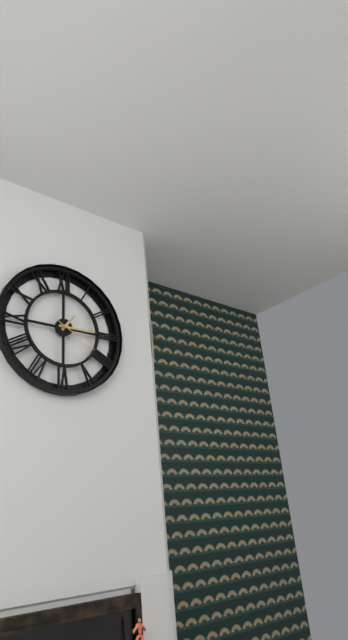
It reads **1:15**
